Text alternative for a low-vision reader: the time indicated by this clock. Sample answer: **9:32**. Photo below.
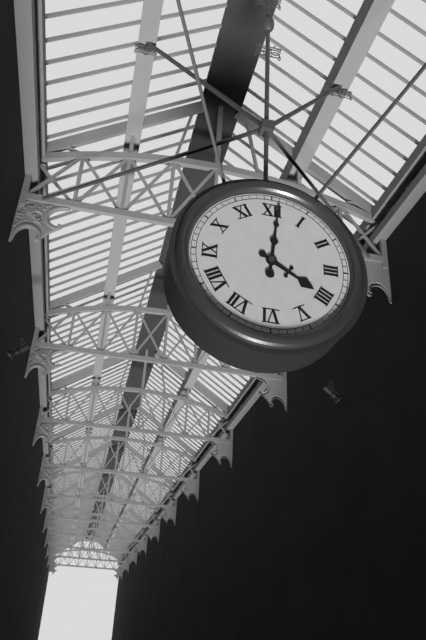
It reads **4:01**
